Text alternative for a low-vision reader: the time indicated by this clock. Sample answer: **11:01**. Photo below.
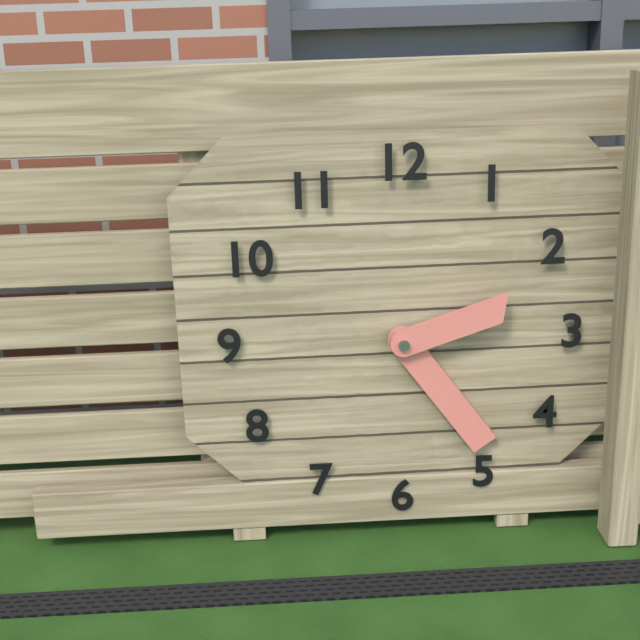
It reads **2:24**
